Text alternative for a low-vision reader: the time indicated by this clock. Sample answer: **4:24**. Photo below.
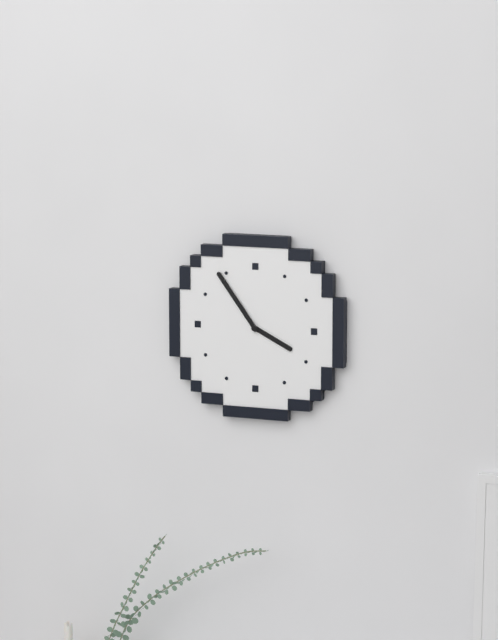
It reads **3:54**
